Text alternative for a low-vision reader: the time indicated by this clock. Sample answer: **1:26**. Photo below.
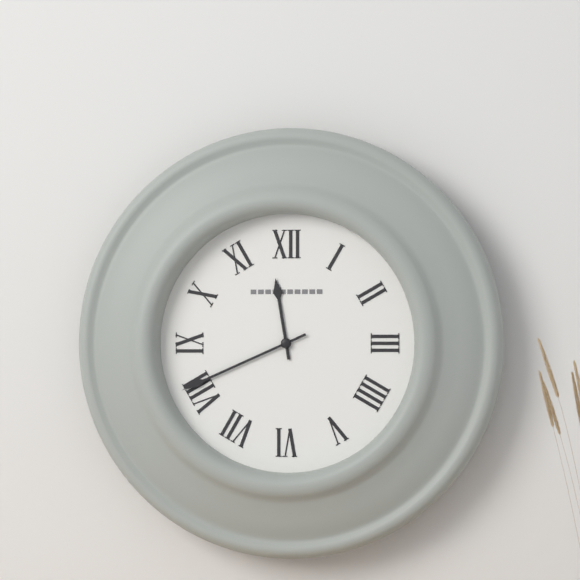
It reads **11:41**
